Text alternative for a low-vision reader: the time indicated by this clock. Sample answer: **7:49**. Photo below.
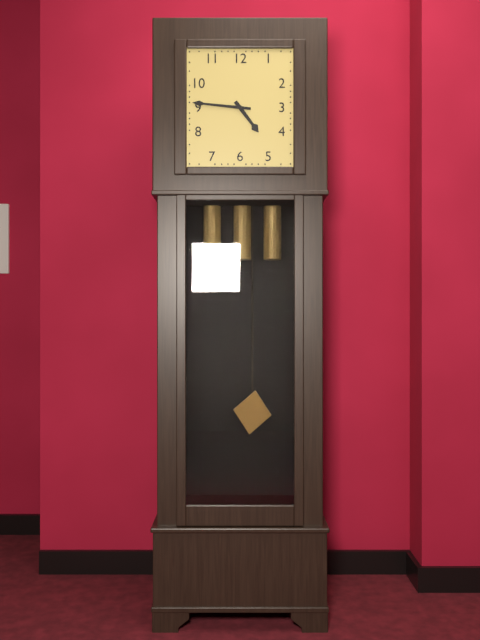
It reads **4:46**
